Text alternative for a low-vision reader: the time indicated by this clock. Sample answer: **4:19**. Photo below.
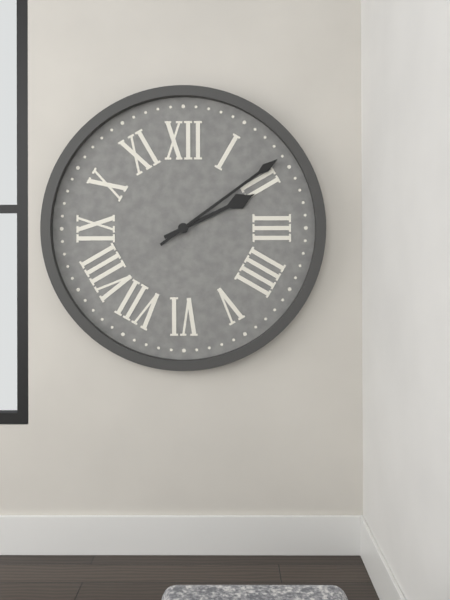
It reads **2:09**
